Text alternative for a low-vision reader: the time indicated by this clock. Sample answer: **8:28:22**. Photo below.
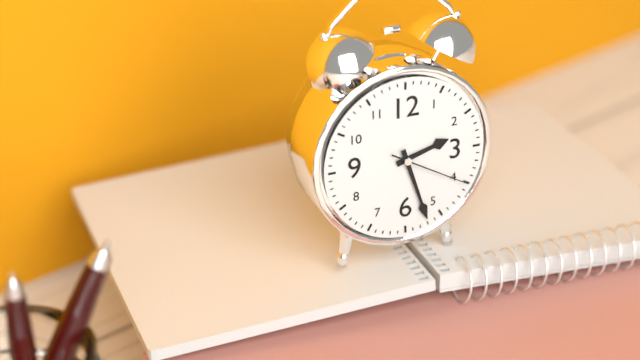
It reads **2:27:20**
